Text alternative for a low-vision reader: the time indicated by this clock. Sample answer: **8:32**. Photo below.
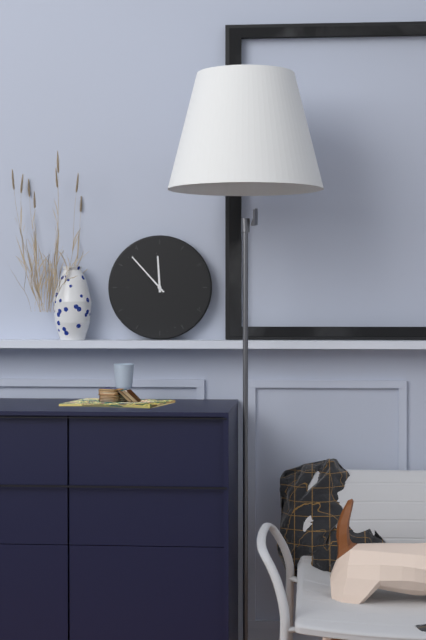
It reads **11:53**
